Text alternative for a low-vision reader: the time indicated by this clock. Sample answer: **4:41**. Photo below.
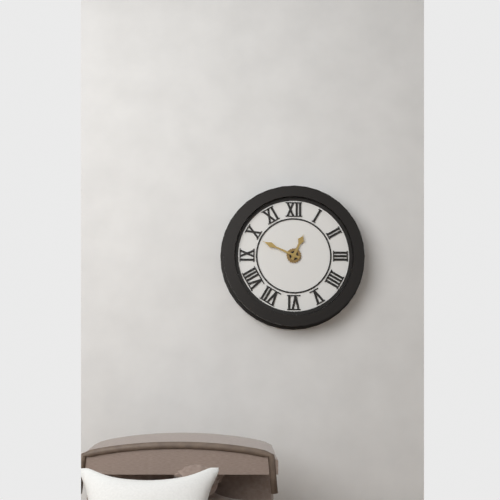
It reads **12:49**
